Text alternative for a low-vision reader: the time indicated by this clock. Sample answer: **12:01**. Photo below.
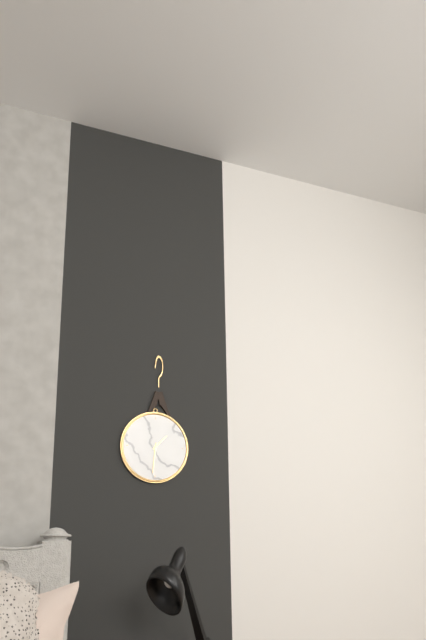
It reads **1:31**
